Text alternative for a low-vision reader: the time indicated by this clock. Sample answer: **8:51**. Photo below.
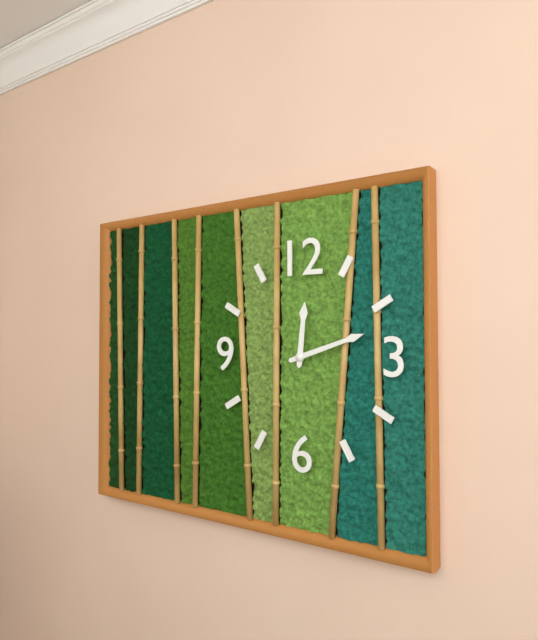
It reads **12:12**
